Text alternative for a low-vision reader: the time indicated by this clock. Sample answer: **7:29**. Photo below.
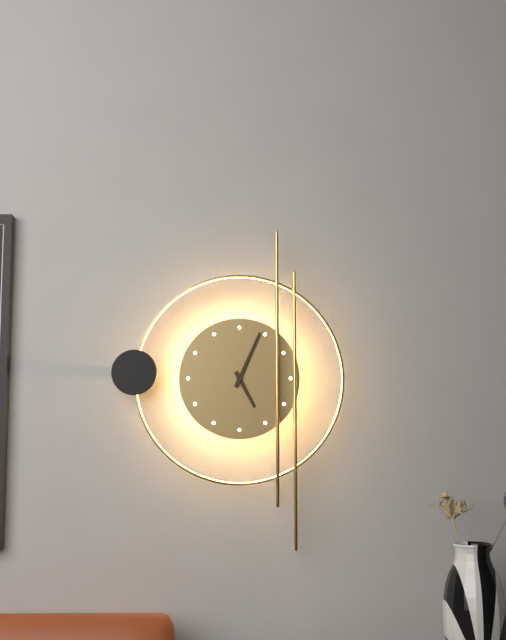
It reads **5:04**
